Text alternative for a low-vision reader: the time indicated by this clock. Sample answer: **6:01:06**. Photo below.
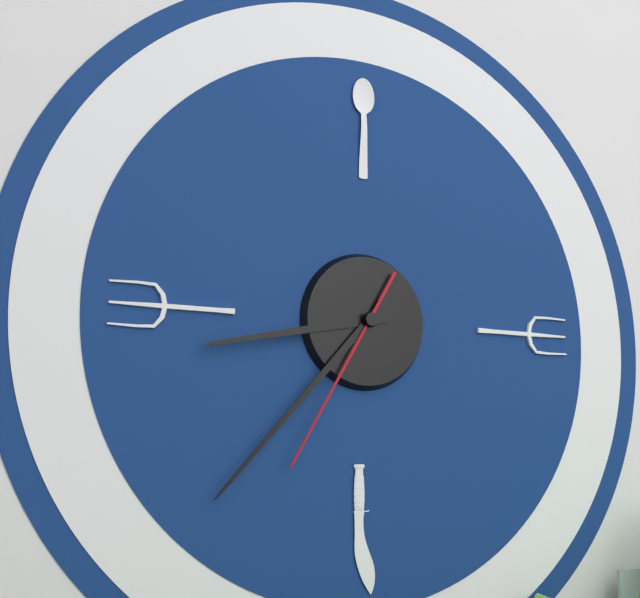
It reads **8:37:35**
